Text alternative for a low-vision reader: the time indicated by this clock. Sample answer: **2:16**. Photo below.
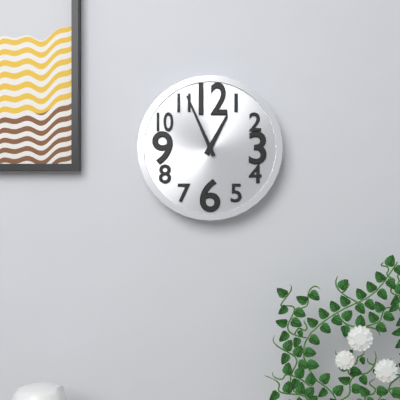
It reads **12:56**
